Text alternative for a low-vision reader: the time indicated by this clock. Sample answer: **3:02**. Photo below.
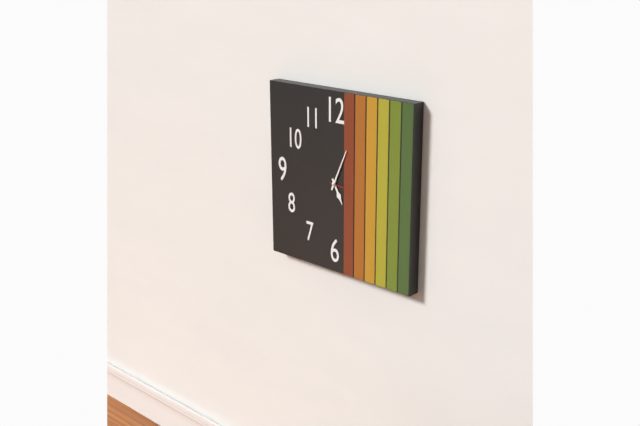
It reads **5:04**
